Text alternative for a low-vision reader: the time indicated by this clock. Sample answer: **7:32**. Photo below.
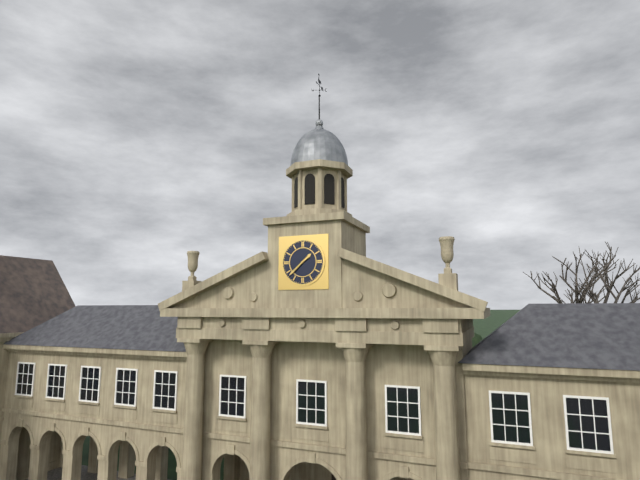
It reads **1:38**
